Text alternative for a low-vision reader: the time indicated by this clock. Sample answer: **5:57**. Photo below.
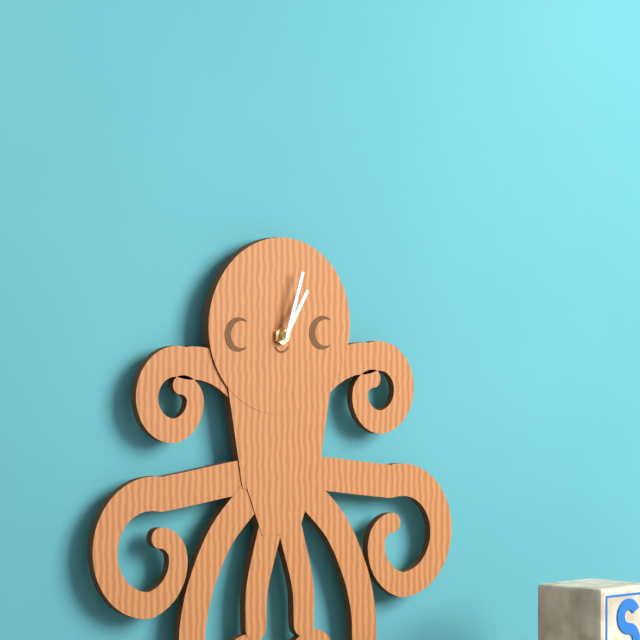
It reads **1:03**
